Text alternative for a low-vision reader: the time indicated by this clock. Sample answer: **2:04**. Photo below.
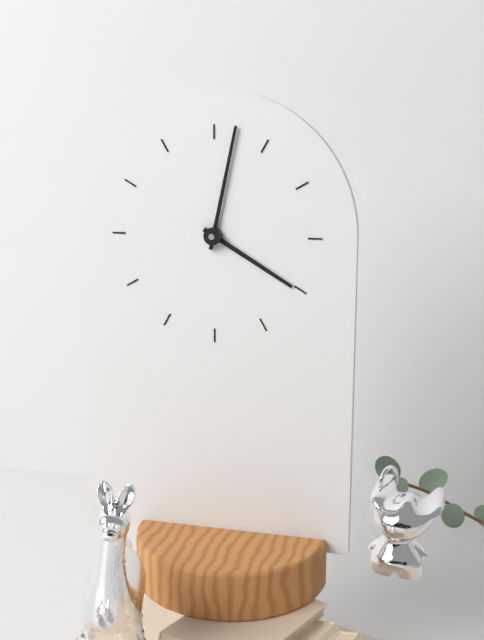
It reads **4:02**
